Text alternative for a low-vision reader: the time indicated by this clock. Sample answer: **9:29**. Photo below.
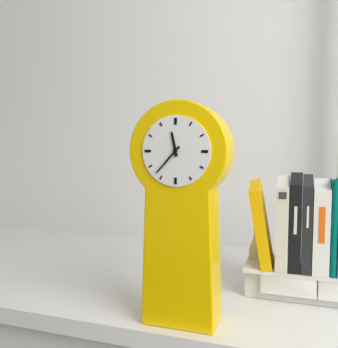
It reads **11:37**
